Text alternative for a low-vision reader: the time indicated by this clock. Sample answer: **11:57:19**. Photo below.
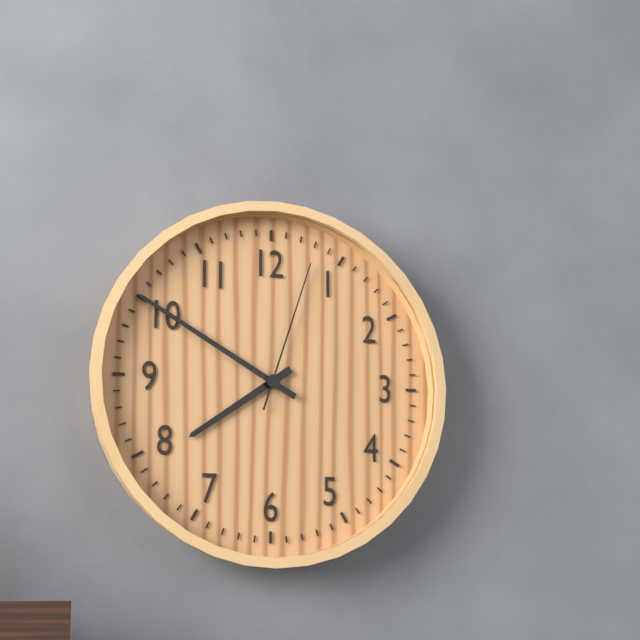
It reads **7:50:03**
